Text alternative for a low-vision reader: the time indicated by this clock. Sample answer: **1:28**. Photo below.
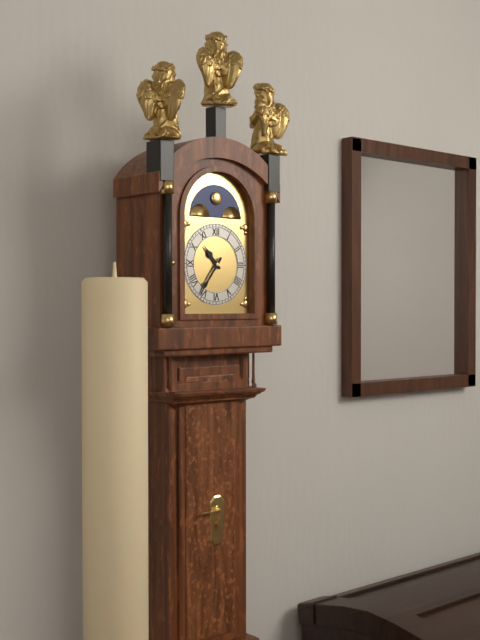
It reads **10:36**
